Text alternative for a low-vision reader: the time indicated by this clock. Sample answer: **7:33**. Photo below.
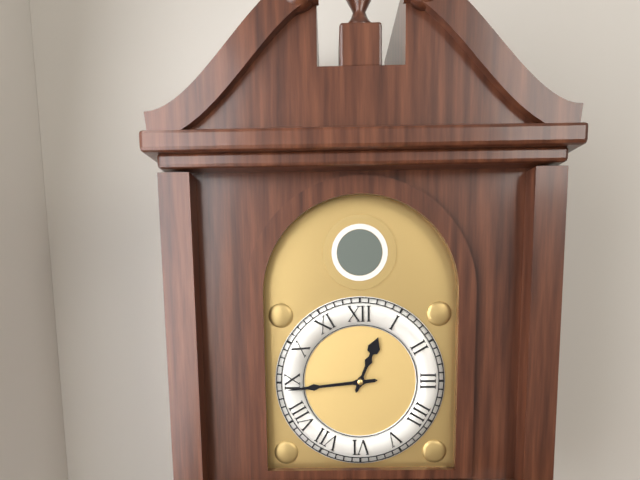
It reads **12:44**
